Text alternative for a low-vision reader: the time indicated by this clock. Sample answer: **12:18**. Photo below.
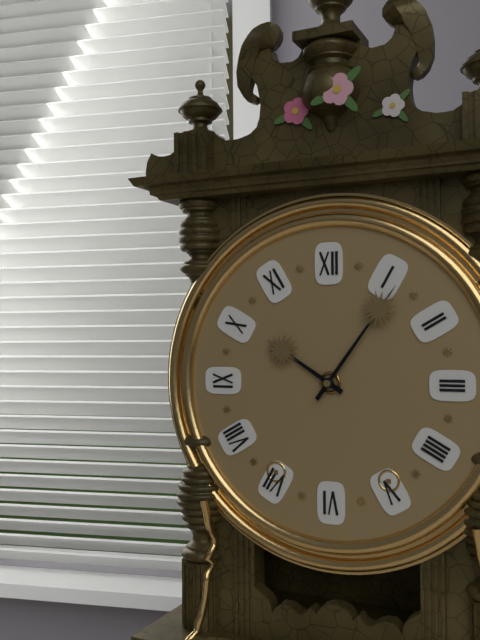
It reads **10:06**
